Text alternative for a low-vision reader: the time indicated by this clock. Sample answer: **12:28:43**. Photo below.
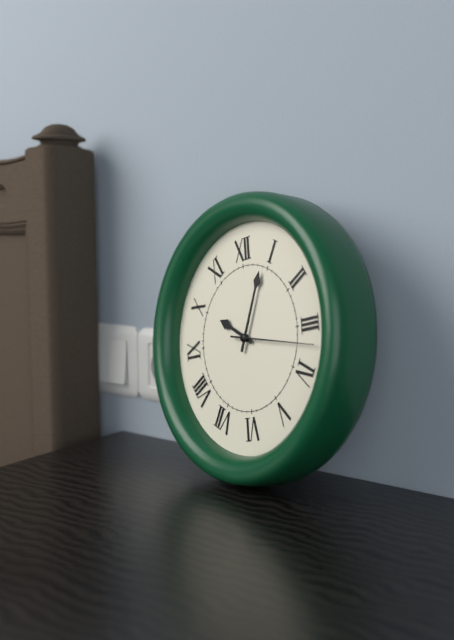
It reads **10:04:17**
